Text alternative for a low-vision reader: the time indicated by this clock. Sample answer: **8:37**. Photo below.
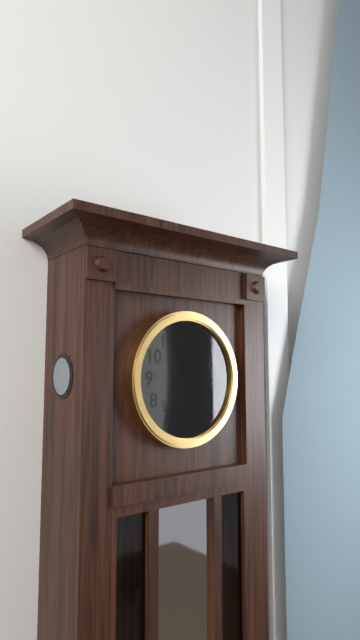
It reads **1:14**
